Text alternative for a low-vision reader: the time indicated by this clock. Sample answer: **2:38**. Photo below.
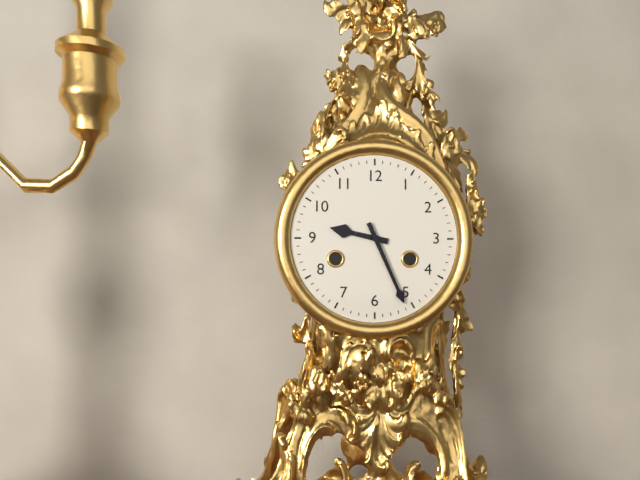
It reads **9:26**
